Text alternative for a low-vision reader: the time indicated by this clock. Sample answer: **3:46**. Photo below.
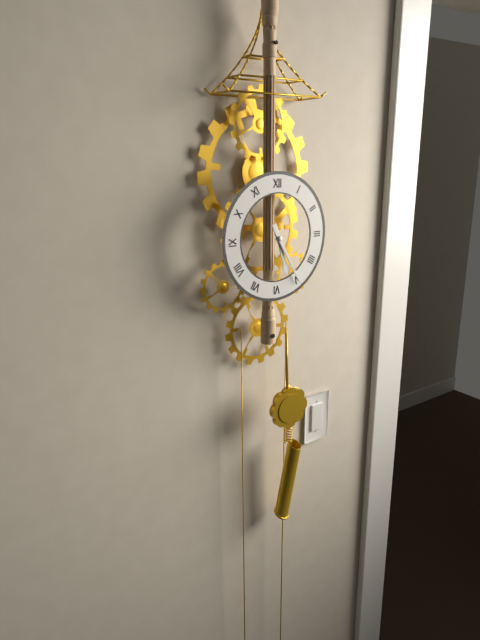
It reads **5:25**
